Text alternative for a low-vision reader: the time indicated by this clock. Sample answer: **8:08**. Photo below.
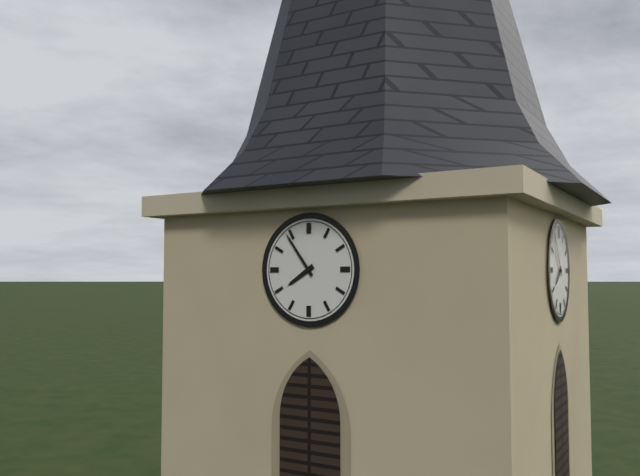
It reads **7:54**
